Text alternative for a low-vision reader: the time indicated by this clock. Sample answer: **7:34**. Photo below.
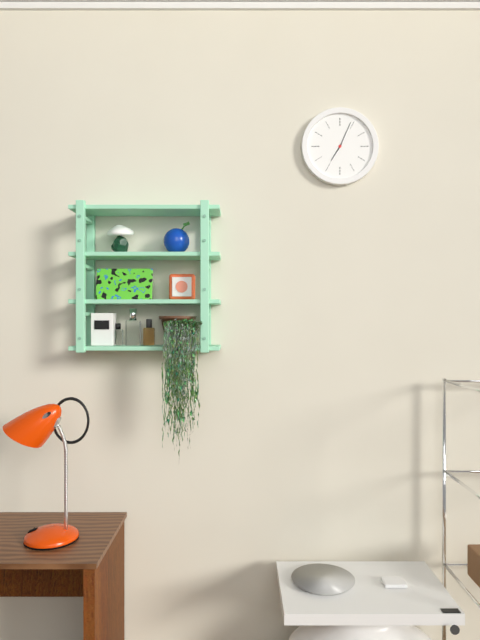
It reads **7:04**
